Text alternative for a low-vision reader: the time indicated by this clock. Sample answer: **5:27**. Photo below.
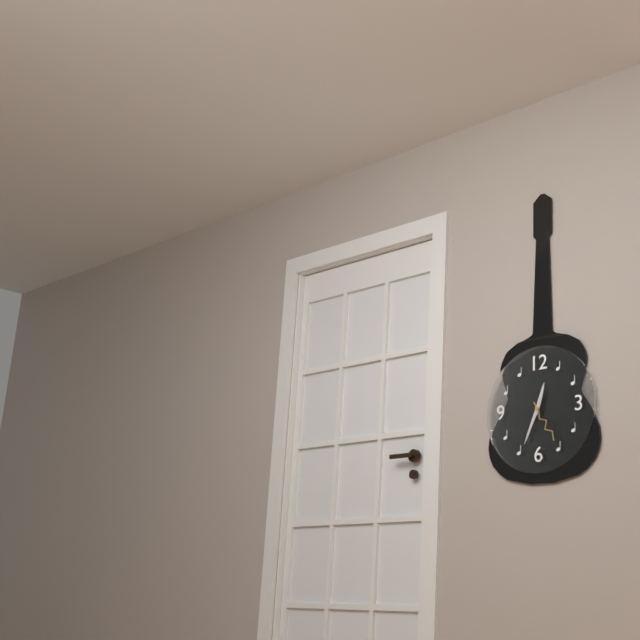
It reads **12:34**
